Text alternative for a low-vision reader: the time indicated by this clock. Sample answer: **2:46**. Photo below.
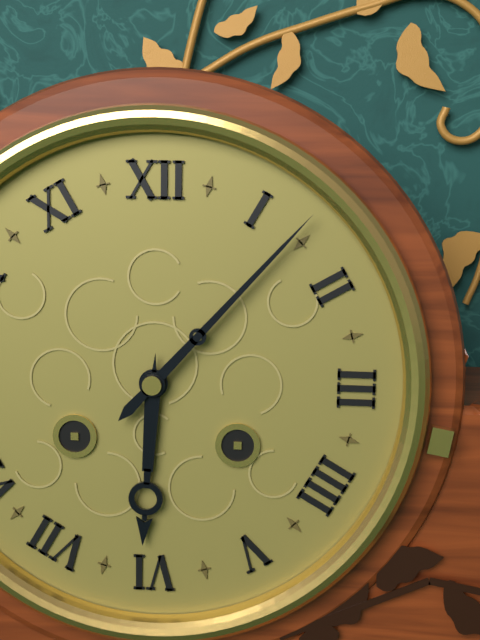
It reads **6:07**
